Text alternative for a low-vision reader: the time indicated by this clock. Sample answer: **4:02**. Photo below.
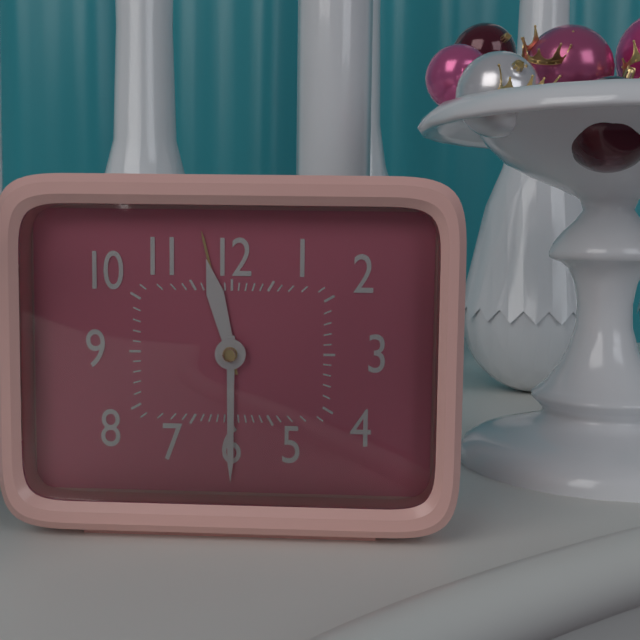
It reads **11:30**
